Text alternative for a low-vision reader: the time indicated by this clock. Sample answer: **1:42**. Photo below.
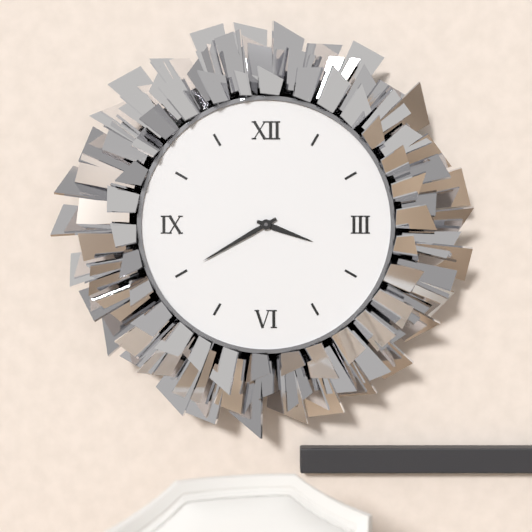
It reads **3:40**
